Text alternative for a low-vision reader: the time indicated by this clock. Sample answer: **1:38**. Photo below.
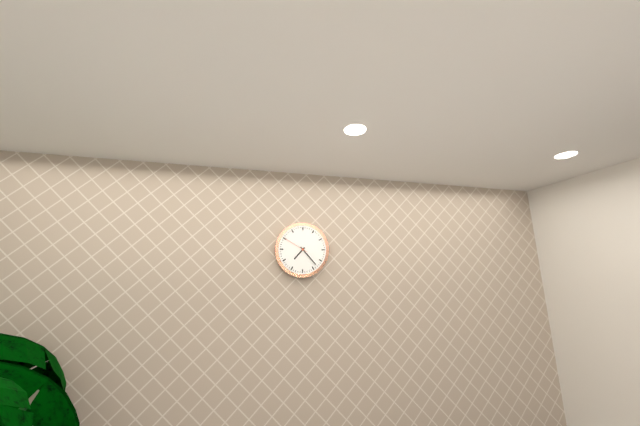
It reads **7:23**
